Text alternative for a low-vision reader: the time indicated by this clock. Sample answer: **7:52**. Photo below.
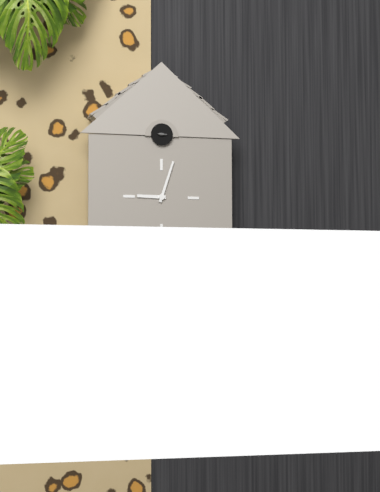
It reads **9:03**
